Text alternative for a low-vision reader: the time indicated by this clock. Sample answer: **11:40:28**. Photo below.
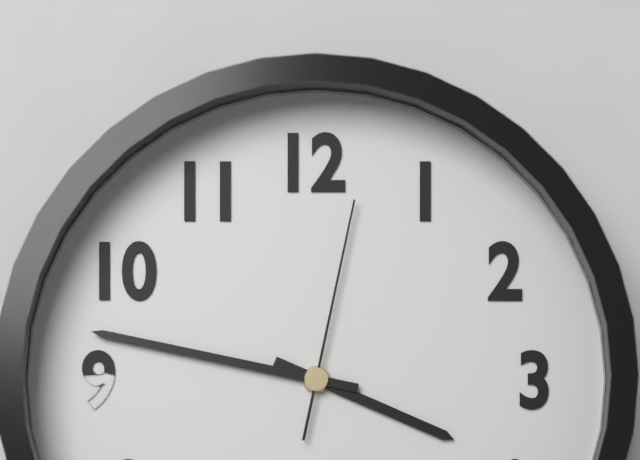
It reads **3:47:02**
